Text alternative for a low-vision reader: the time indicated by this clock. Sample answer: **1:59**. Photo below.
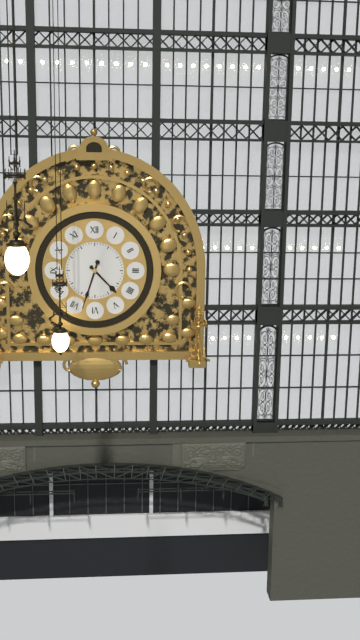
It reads **4:33**
